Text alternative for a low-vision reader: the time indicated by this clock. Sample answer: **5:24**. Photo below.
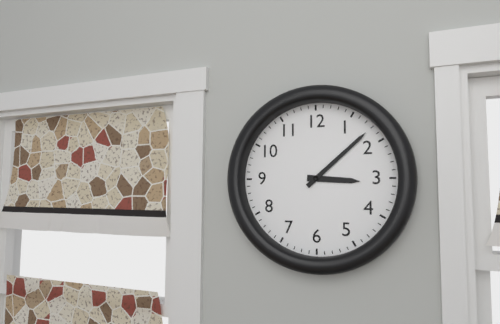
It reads **3:08**
